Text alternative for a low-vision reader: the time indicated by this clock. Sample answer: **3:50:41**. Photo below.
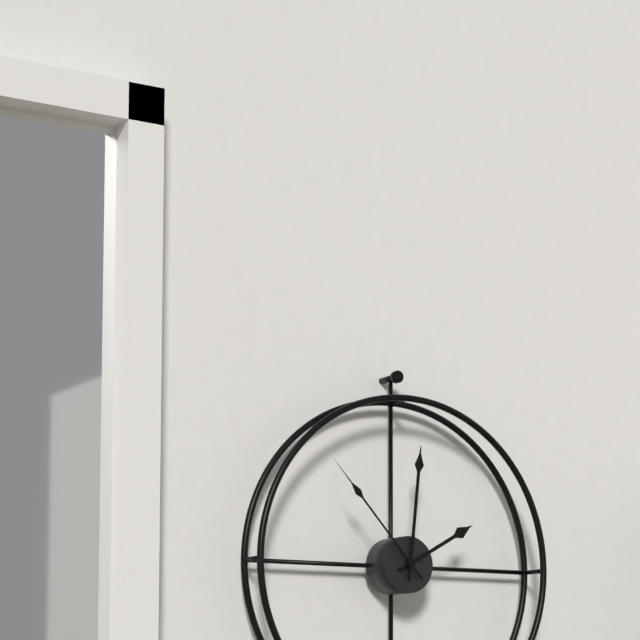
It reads **2:01:53**
